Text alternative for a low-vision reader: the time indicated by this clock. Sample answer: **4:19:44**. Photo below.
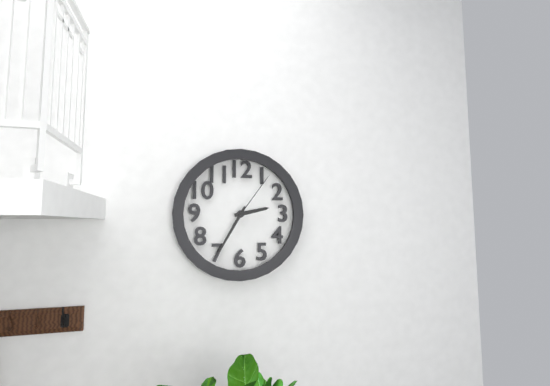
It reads **2:35:06**
